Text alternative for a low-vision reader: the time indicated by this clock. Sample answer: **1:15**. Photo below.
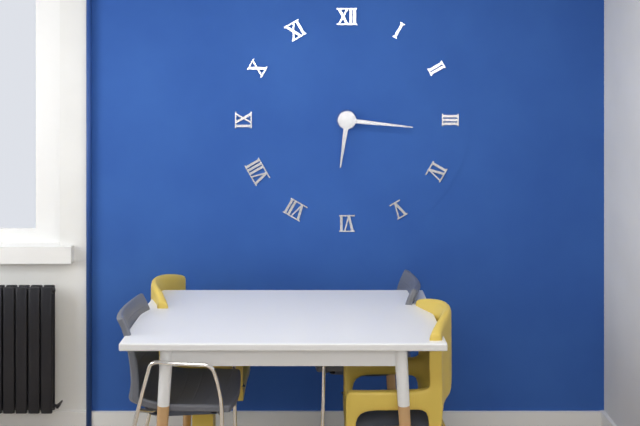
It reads **6:16**
